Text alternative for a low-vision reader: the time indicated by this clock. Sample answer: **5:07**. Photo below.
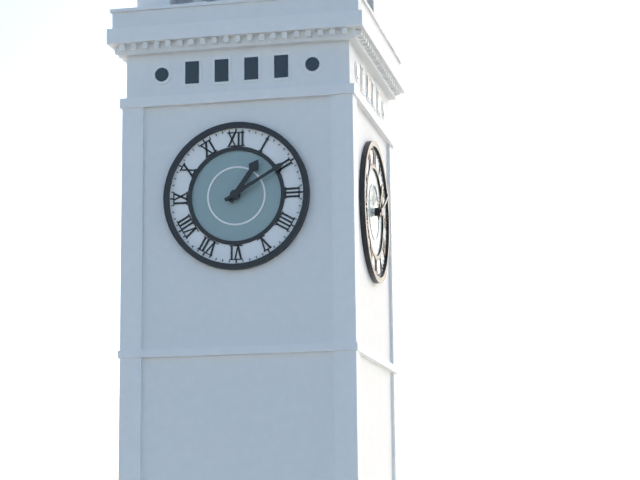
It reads **1:10**
